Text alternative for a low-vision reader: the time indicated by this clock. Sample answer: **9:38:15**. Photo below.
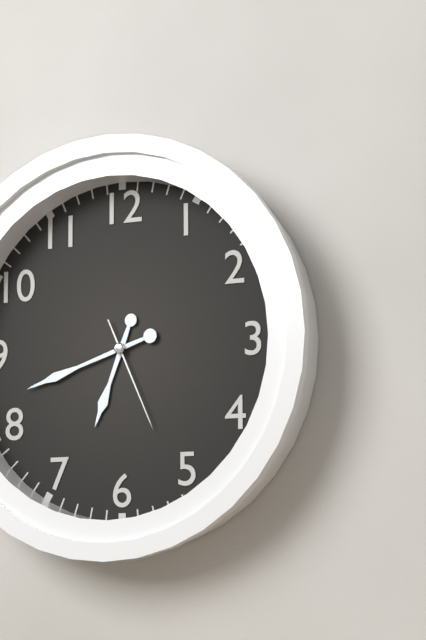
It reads **6:42:26**
